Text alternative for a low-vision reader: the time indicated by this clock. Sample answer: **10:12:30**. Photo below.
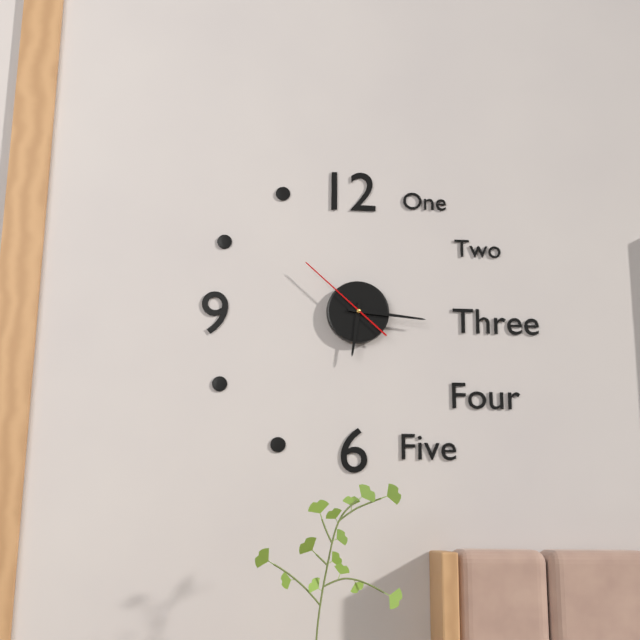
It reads **6:16:52**
